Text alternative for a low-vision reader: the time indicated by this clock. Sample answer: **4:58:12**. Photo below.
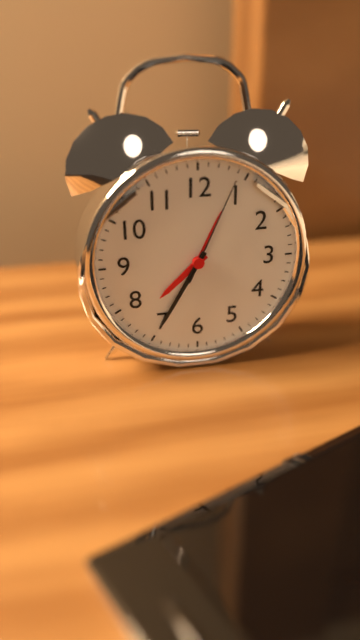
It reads **7:35:04**
